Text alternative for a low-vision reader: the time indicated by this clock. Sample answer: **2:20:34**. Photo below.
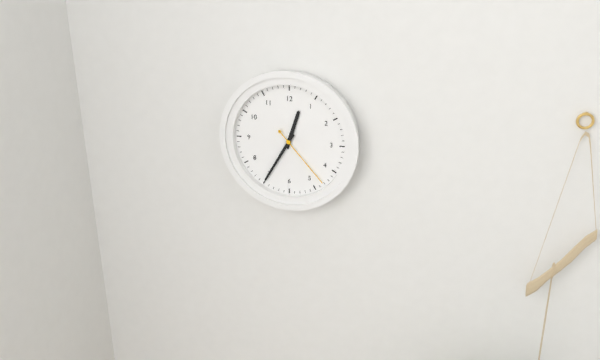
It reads **12:35:23**
